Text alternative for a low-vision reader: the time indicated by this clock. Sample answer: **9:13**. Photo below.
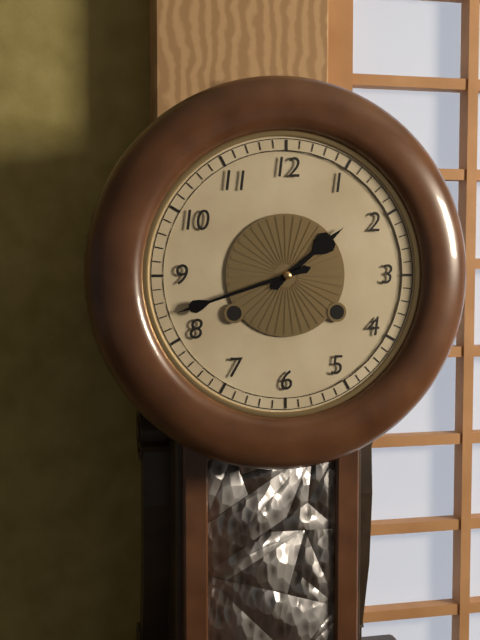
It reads **1:42**
